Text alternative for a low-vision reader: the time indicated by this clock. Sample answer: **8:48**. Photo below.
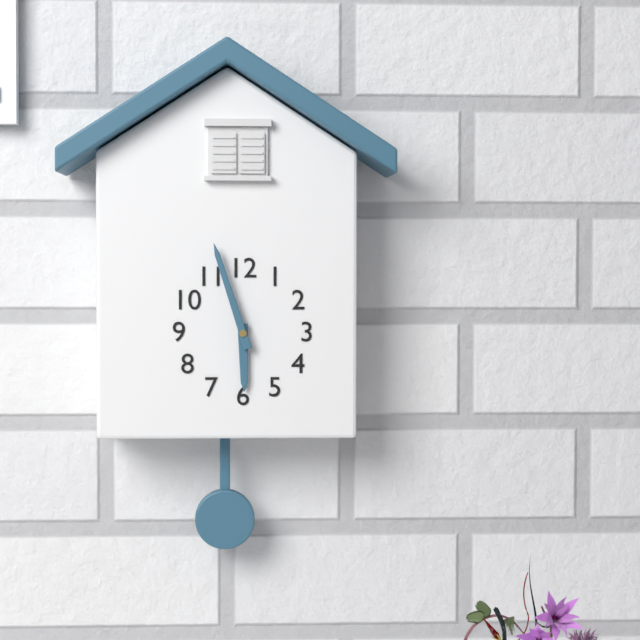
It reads **5:57**
